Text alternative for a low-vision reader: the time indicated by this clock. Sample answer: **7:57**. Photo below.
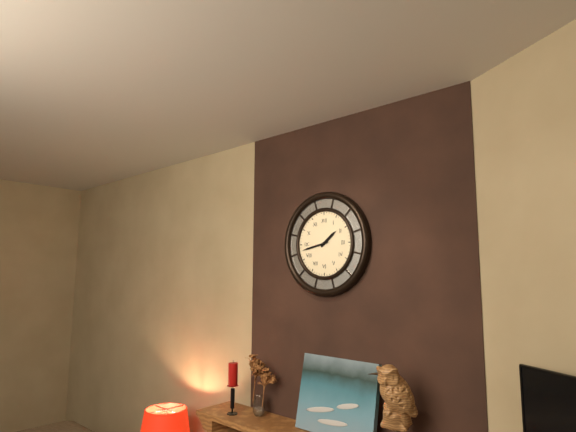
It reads **1:43**
